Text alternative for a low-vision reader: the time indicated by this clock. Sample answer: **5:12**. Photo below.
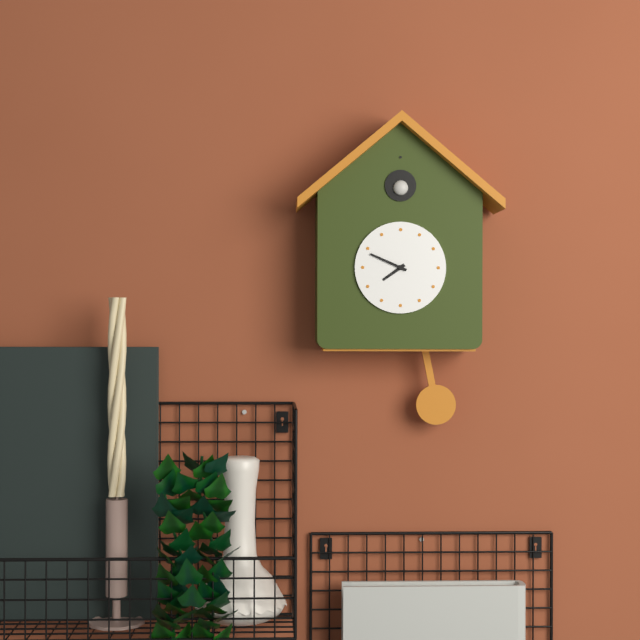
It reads **7:49**
